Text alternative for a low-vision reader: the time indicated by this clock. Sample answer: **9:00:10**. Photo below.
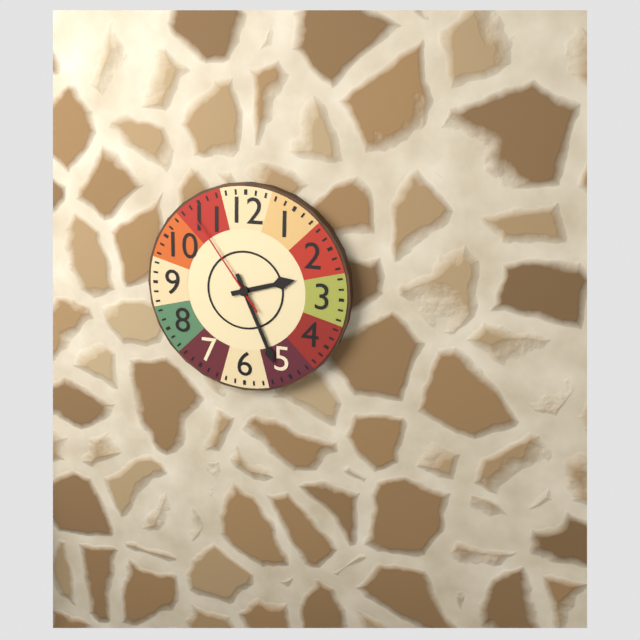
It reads **2:26:54**
